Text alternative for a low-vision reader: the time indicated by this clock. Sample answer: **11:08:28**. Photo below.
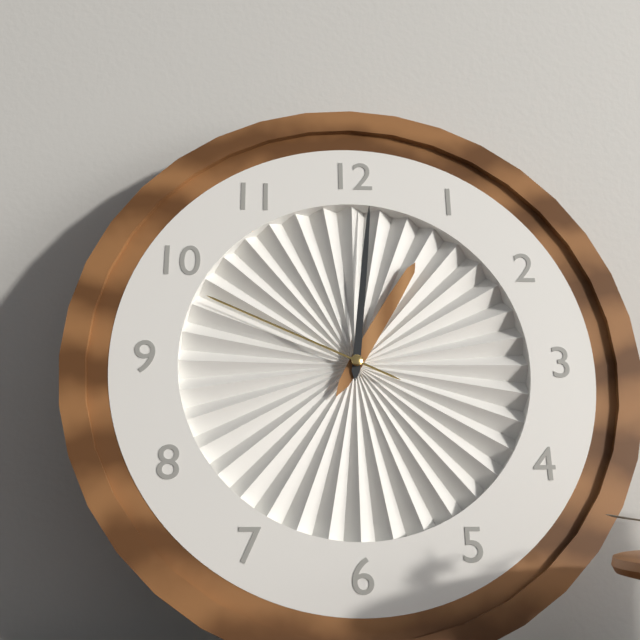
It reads **1:01:49**
